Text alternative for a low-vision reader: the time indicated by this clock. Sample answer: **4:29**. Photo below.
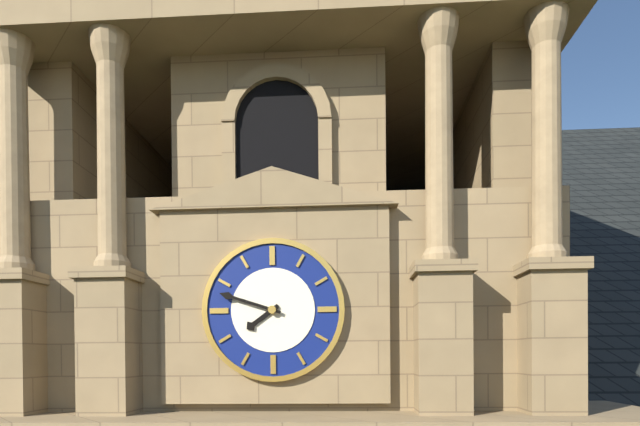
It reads **7:48**
